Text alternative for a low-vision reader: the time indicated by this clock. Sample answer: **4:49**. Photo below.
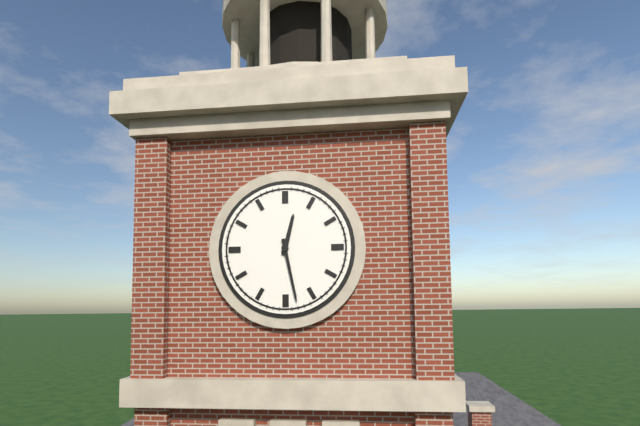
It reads **12:28**
